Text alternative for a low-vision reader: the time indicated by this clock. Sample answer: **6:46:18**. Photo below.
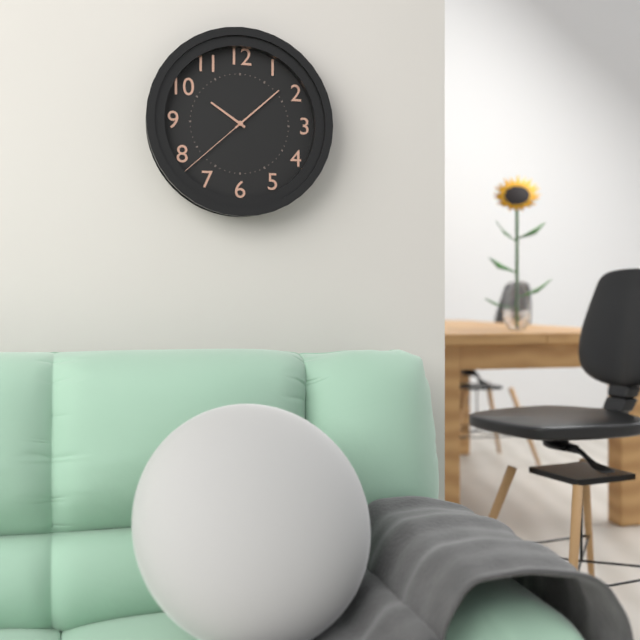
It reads **10:08:38**
